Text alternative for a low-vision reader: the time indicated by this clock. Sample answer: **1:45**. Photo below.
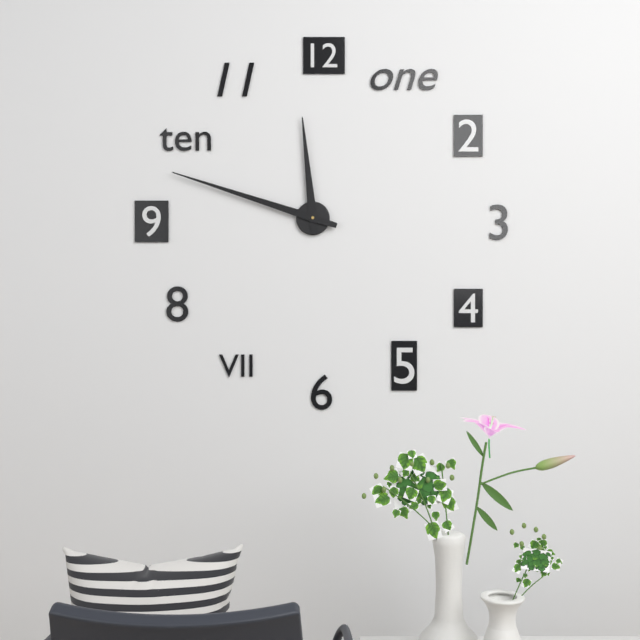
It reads **11:48**
